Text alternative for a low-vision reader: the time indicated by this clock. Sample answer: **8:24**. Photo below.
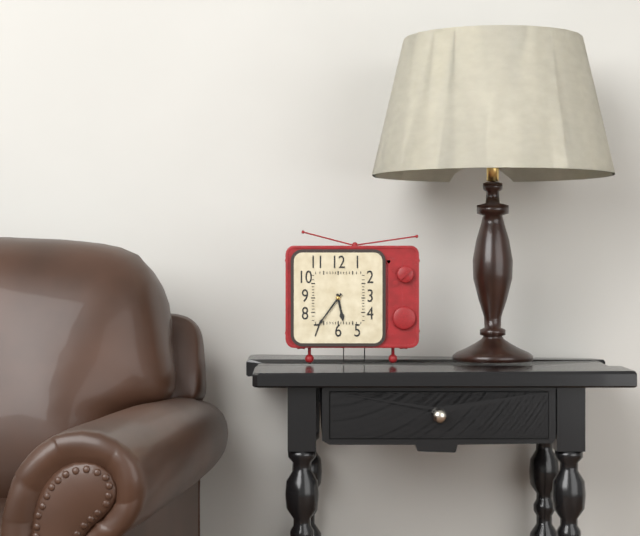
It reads **5:36**
